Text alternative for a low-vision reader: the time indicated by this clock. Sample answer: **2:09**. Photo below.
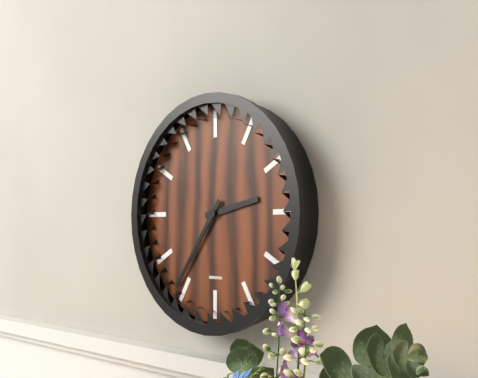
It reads **2:36**
